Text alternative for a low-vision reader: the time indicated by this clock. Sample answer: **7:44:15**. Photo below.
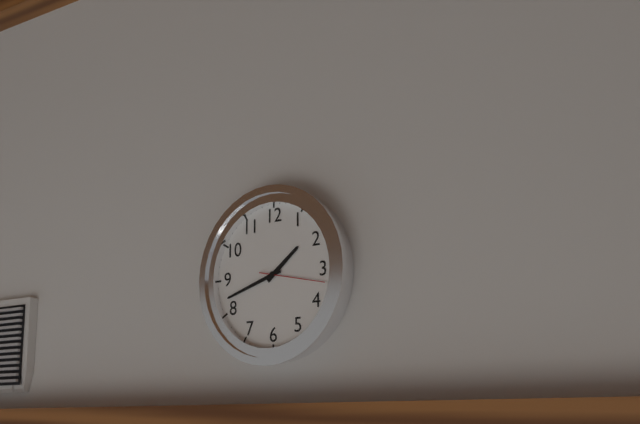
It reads **1:42:17**
